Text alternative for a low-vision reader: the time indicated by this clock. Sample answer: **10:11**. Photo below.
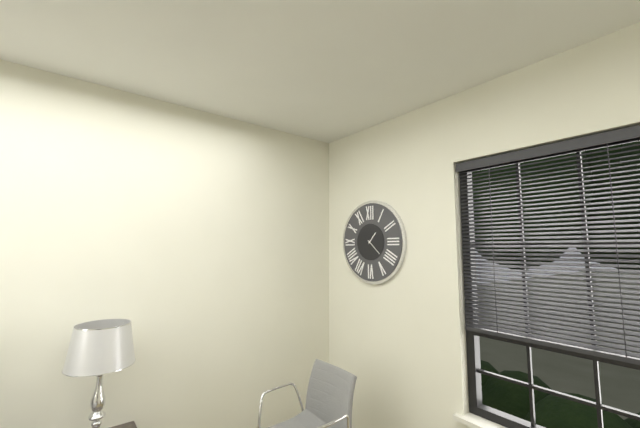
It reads **1:22**
